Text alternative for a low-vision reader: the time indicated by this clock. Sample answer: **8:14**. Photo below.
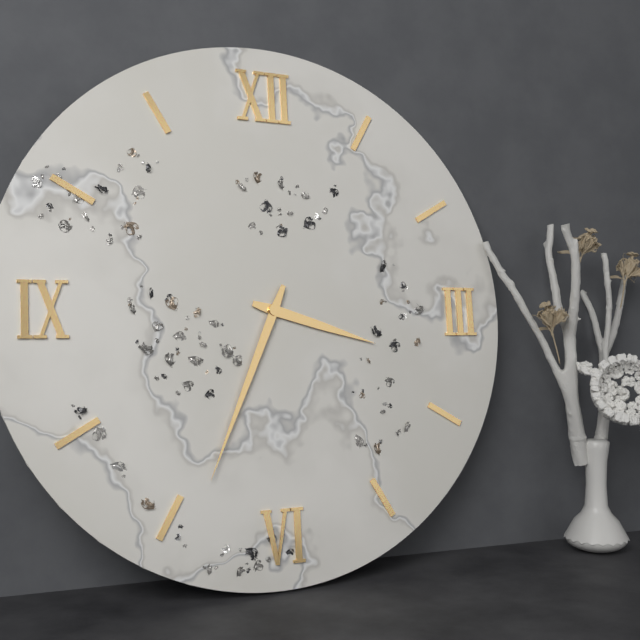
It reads **3:34**
